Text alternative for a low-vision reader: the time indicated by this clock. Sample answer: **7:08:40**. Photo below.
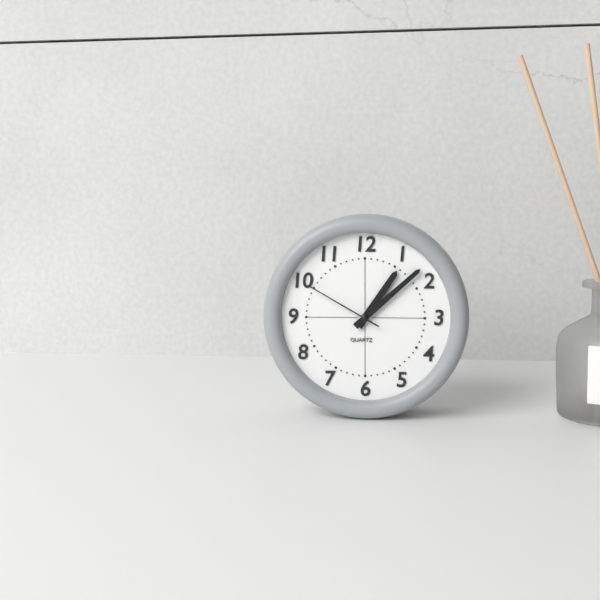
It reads **1:08:50**
